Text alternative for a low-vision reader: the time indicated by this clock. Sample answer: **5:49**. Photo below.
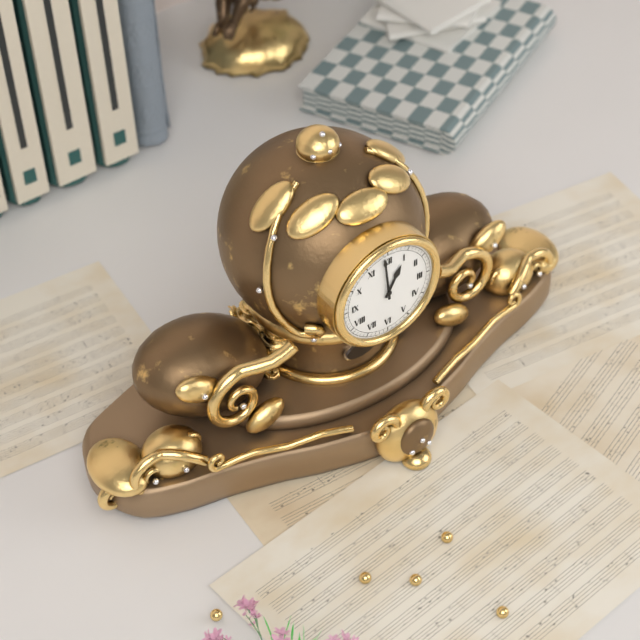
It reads **12:59**
